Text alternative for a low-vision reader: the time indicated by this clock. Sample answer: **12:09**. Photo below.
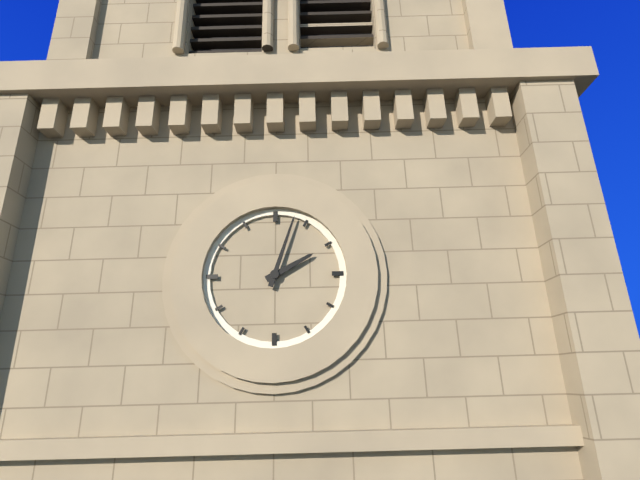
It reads **2:03**
